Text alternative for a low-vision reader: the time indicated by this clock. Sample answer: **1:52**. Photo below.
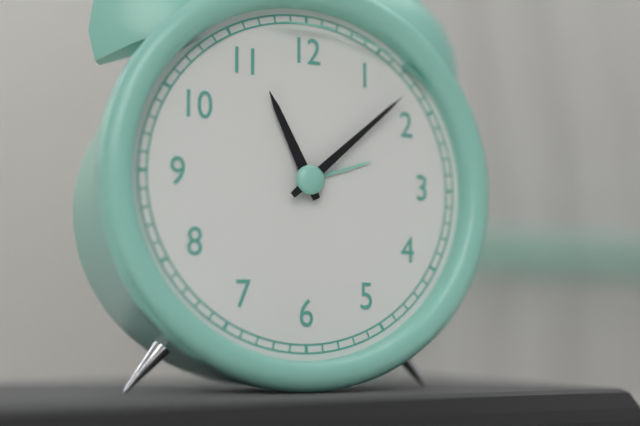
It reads **11:08**
